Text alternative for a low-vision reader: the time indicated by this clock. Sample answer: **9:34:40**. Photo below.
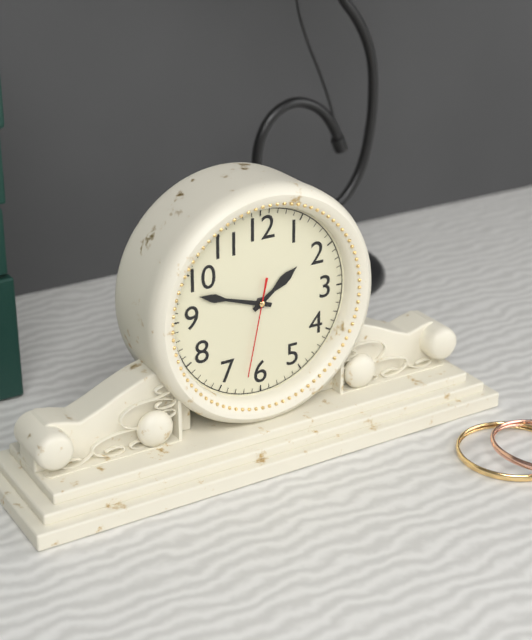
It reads **1:48:32**
